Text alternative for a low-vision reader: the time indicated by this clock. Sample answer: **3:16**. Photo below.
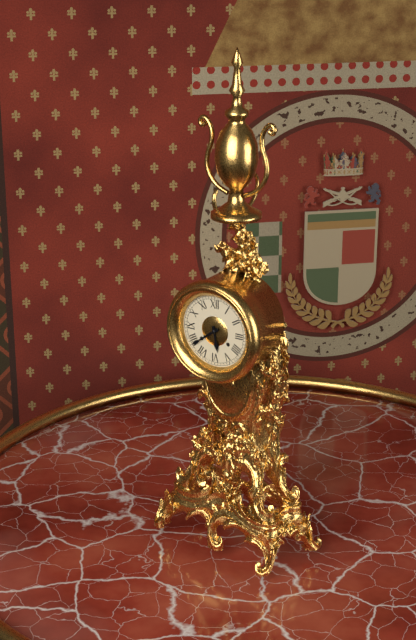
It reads **5:39**
